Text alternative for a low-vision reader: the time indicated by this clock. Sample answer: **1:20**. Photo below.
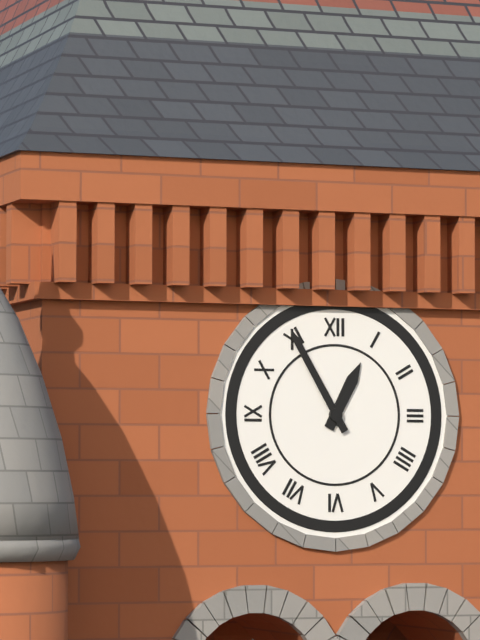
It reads **12:55**
